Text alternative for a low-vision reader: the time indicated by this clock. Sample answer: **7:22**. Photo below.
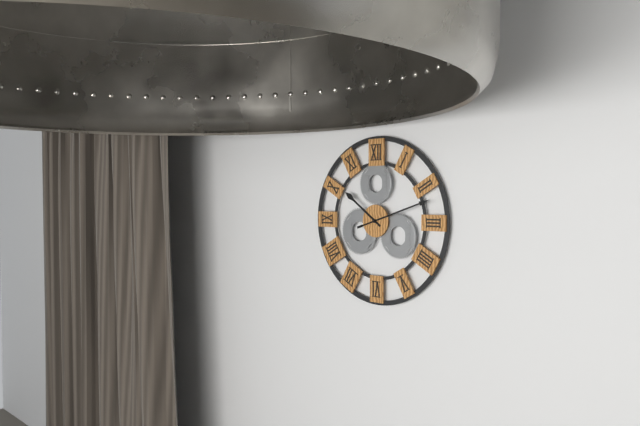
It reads **10:12**
